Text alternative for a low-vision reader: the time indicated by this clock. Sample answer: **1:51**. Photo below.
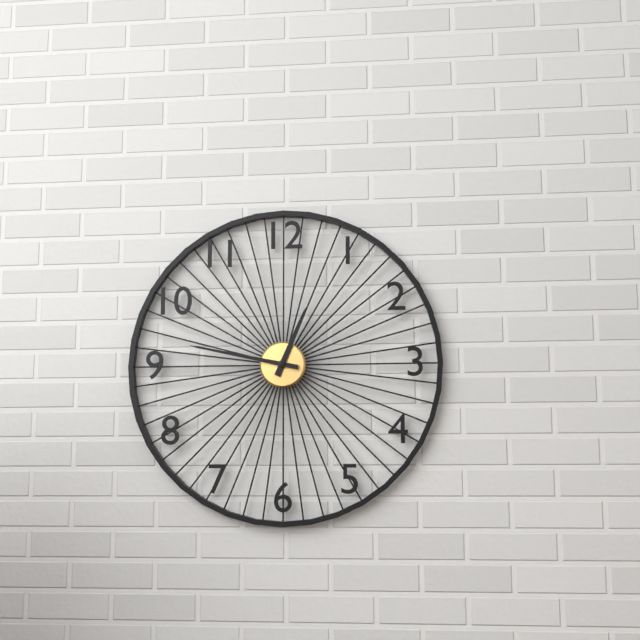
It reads **12:47**
